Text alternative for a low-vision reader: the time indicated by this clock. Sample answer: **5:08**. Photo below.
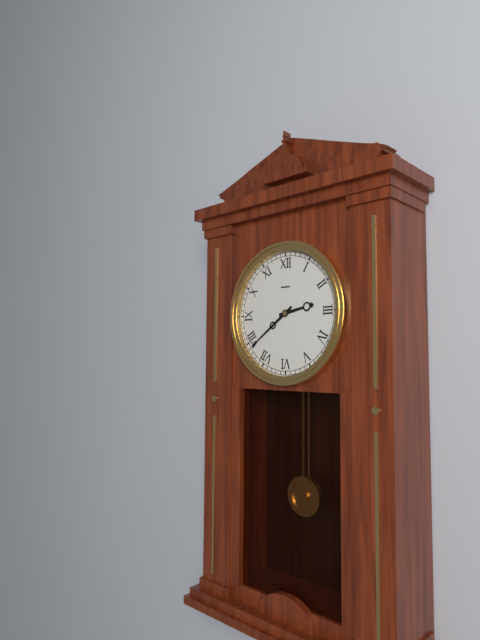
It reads **2:39**
